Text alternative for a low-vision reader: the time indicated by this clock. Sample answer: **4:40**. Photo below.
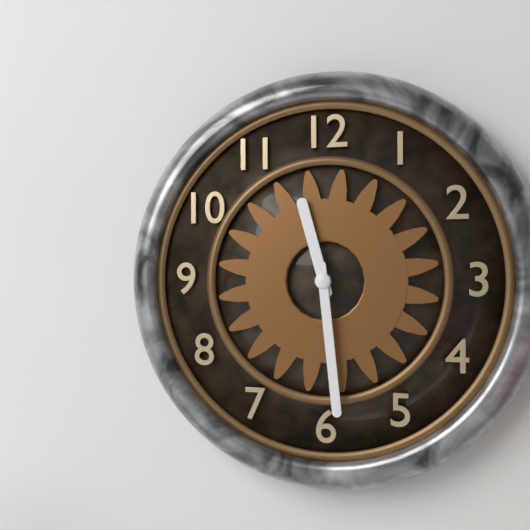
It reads **11:29**
